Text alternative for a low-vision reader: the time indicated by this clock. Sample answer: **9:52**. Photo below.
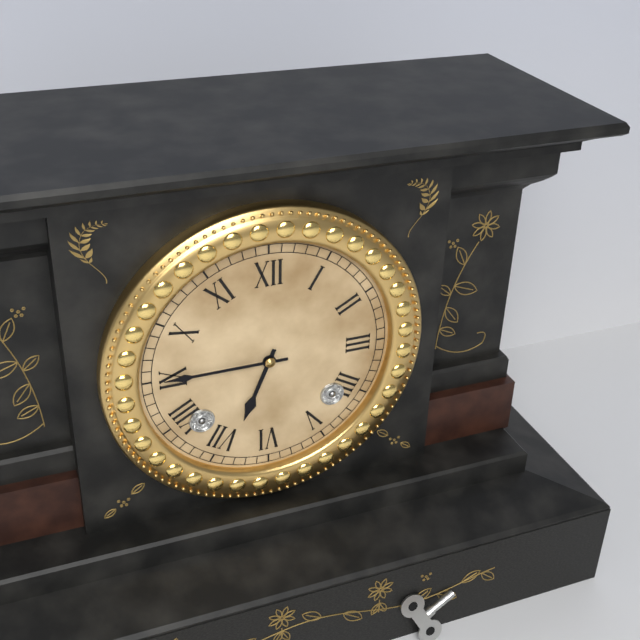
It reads **6:45**
